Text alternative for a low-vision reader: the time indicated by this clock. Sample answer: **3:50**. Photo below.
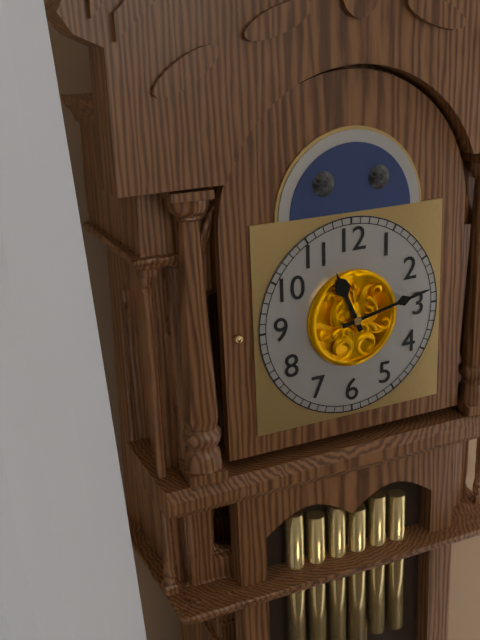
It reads **11:13**
